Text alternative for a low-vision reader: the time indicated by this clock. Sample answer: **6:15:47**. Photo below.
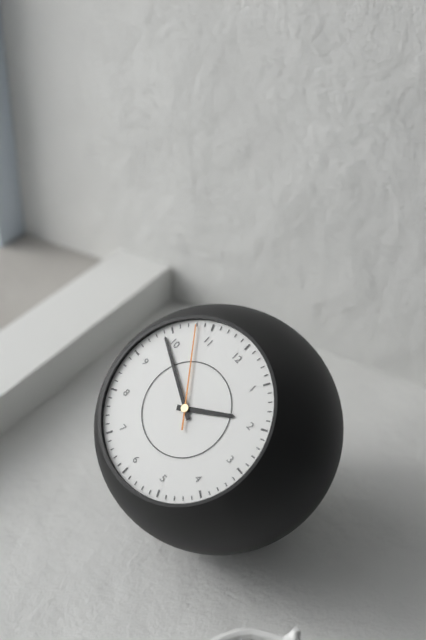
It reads **1:49:53**
